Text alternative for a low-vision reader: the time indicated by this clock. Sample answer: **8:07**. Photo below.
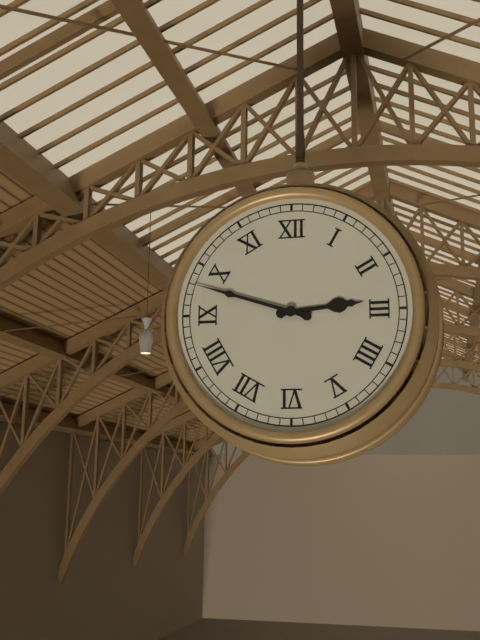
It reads **2:48**
